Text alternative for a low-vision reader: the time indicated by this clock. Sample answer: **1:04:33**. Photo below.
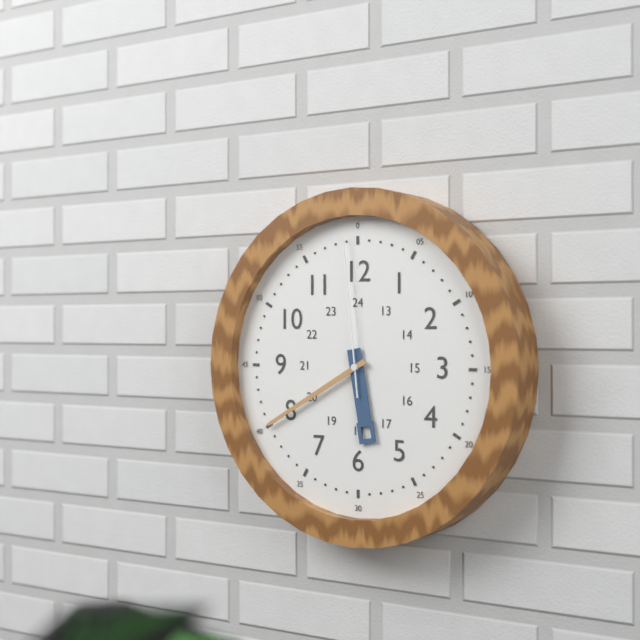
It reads **5:40:59**
